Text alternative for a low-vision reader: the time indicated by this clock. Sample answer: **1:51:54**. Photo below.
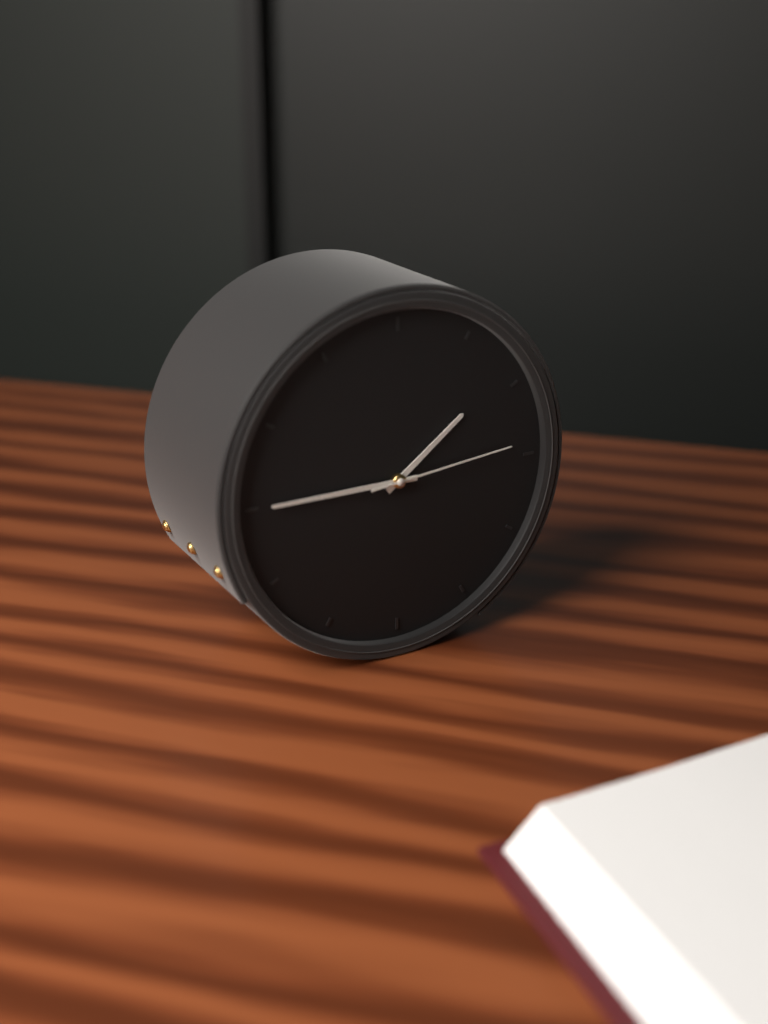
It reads **1:45:14**
